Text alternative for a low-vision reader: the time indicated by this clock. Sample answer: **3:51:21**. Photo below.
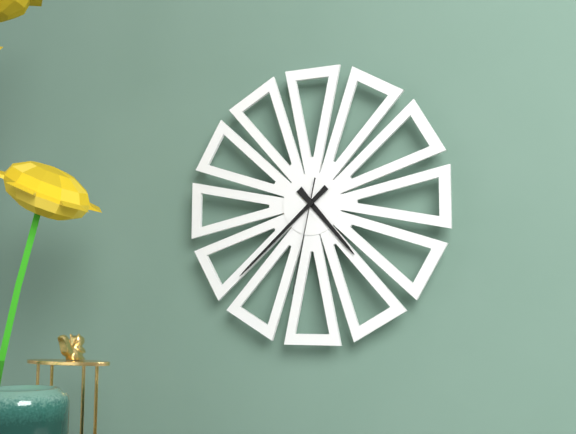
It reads **4:38:32**
